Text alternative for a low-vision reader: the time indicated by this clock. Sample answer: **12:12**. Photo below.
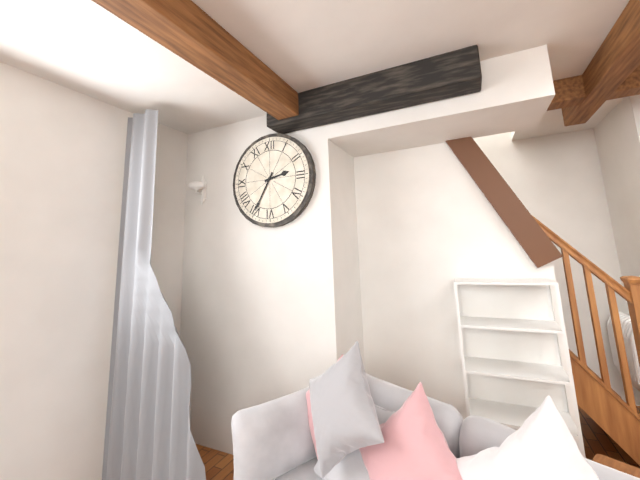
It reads **2:35**
